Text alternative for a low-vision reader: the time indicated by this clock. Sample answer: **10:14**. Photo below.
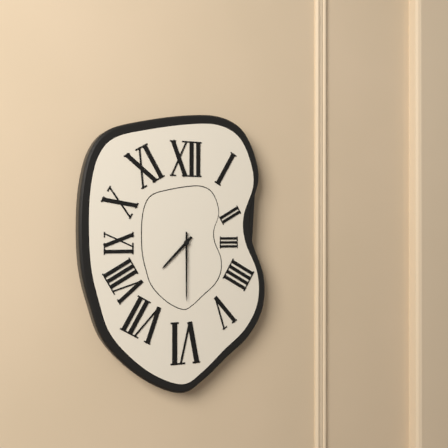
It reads **7:30**
